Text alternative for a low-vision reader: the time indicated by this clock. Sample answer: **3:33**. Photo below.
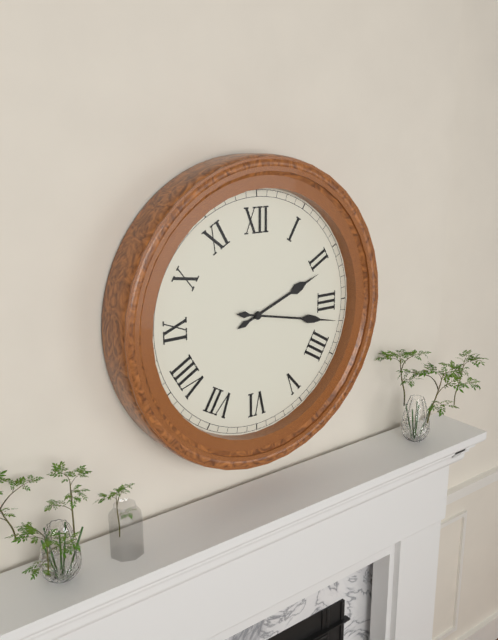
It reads **2:17**
